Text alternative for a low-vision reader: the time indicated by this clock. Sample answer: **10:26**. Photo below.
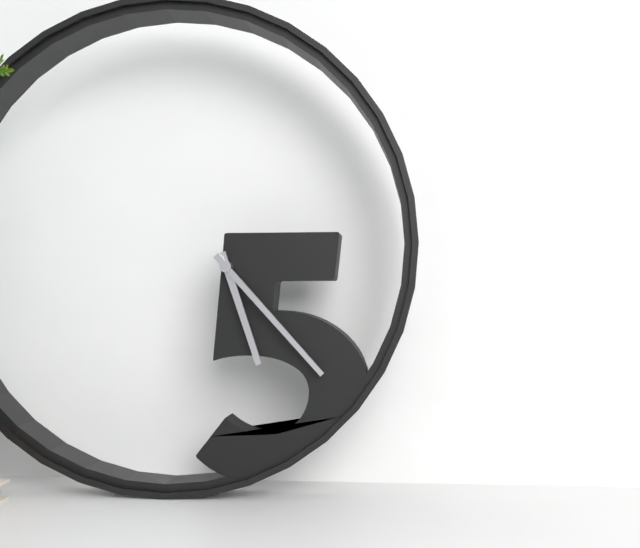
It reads **5:23**
